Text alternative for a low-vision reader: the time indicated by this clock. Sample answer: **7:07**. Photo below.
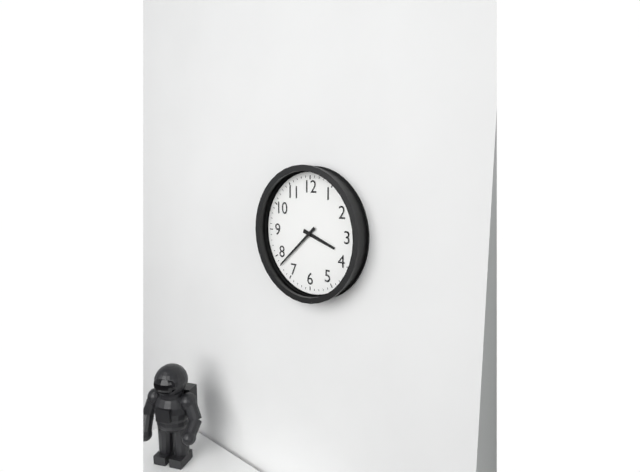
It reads **3:38**
